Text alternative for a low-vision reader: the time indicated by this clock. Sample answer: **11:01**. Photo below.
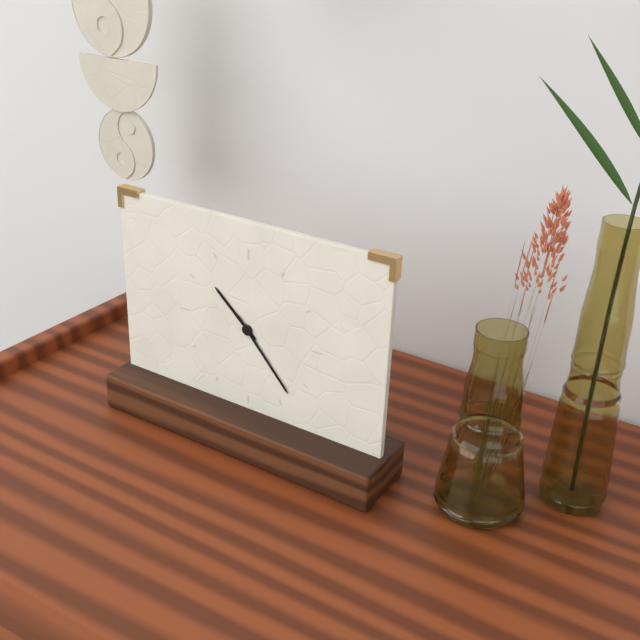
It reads **10:23**
